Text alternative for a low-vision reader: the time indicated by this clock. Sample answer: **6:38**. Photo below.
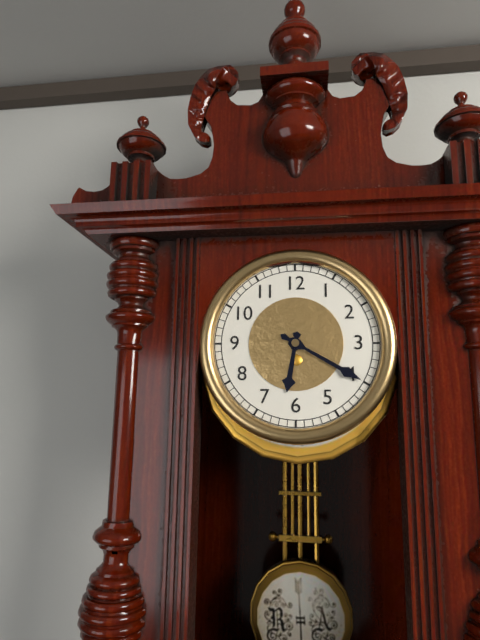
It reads **6:20**
